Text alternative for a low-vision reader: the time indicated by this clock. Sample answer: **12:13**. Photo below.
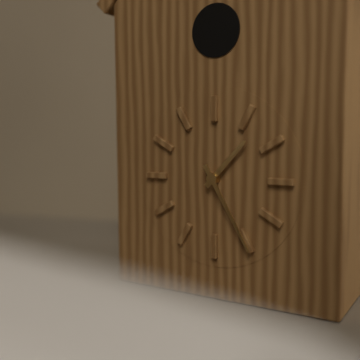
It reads **1:25**
